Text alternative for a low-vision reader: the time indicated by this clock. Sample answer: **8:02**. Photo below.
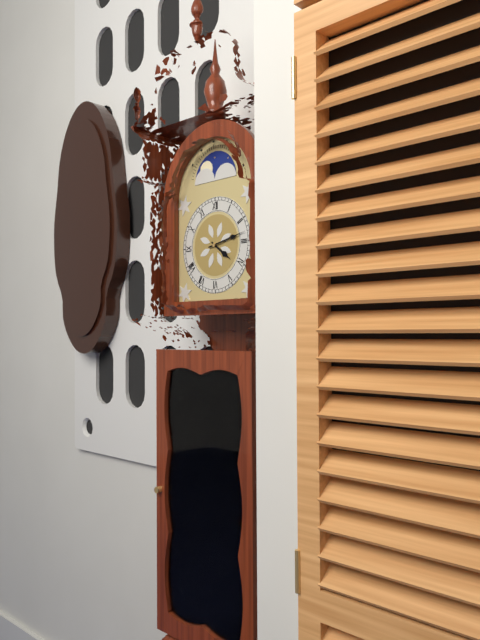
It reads **4:13**
